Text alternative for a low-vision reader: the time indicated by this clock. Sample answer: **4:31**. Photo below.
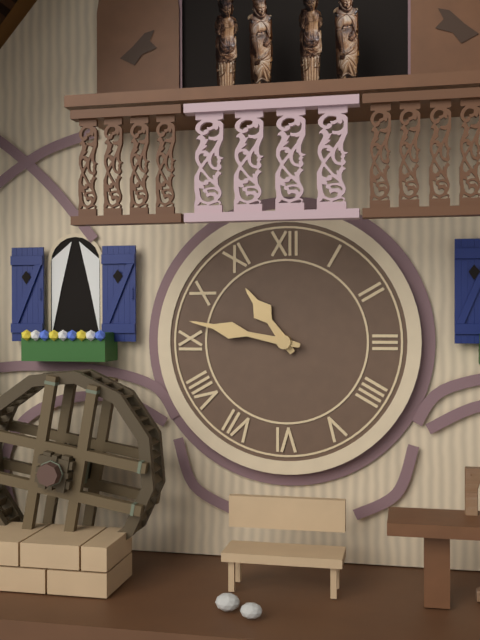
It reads **10:47**
